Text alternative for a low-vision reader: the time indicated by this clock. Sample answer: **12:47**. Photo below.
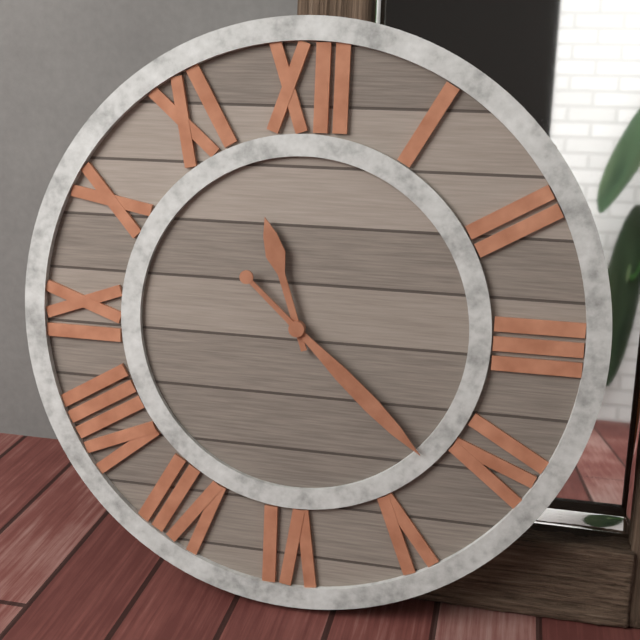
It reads **11:22**
